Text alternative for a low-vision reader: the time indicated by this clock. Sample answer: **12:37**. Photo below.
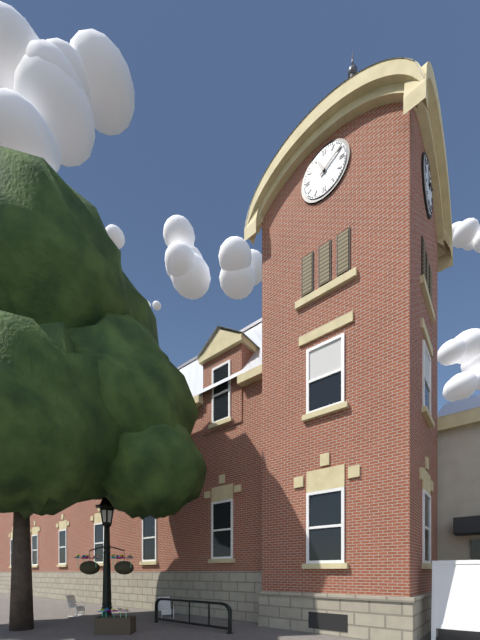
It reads **11:10**
